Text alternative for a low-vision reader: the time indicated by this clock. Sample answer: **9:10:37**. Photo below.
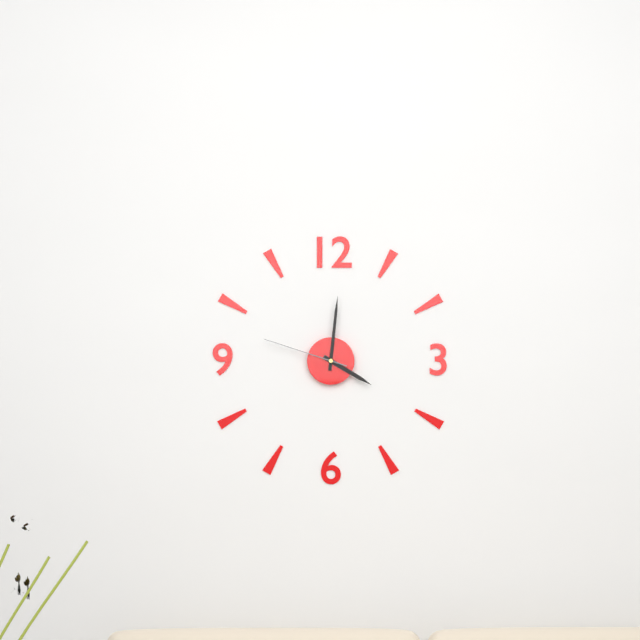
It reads **4:01:48**
